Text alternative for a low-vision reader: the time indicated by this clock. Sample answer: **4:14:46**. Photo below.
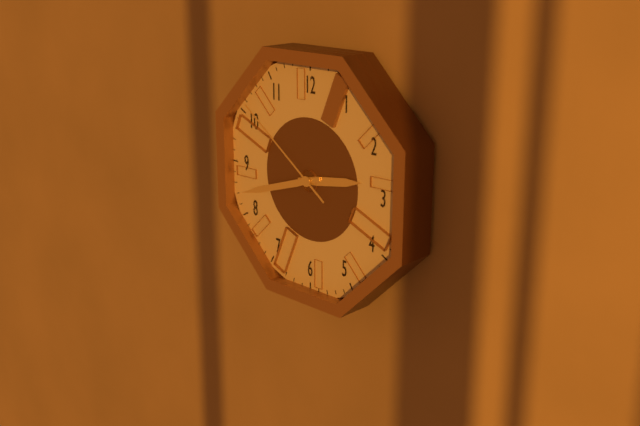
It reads **2:42:51**
